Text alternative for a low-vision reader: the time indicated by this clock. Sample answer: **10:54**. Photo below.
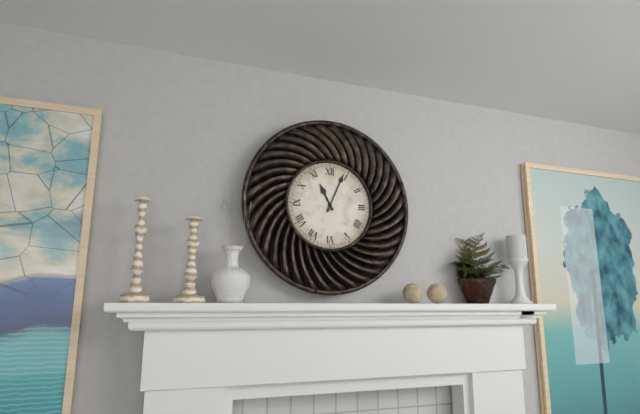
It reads **11:04**
